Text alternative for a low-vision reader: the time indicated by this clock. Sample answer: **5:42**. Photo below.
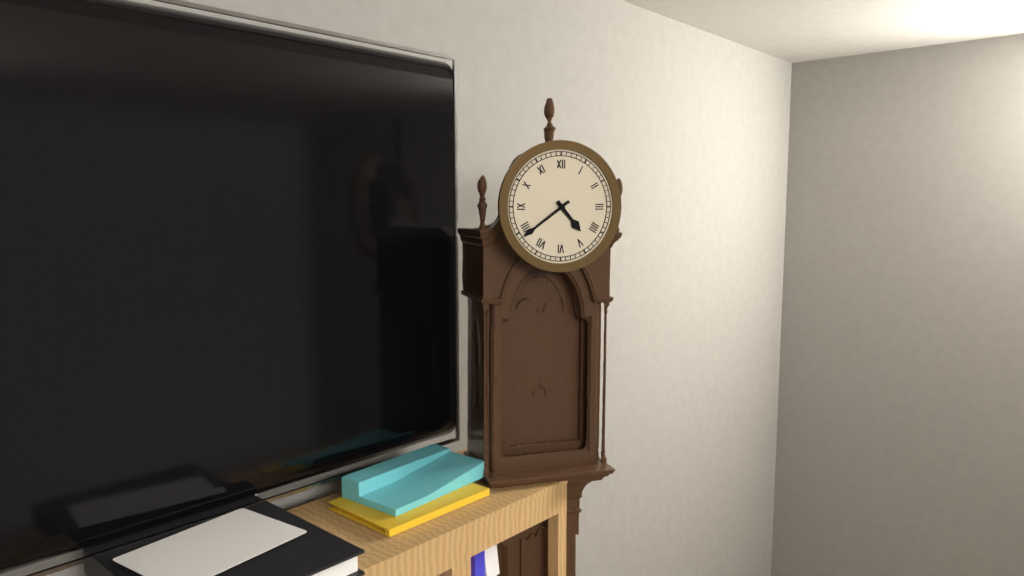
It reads **4:39**
